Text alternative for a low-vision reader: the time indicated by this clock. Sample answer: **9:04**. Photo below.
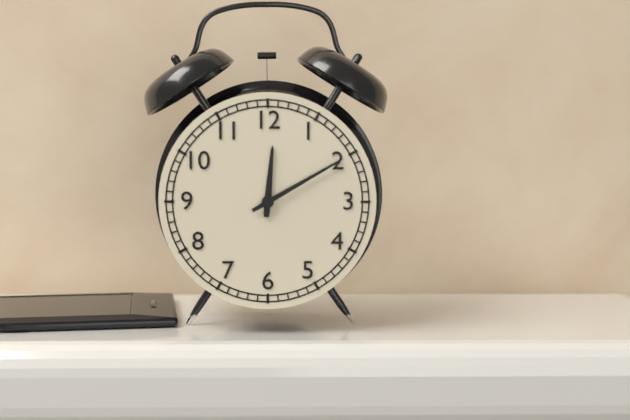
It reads **12:10**
